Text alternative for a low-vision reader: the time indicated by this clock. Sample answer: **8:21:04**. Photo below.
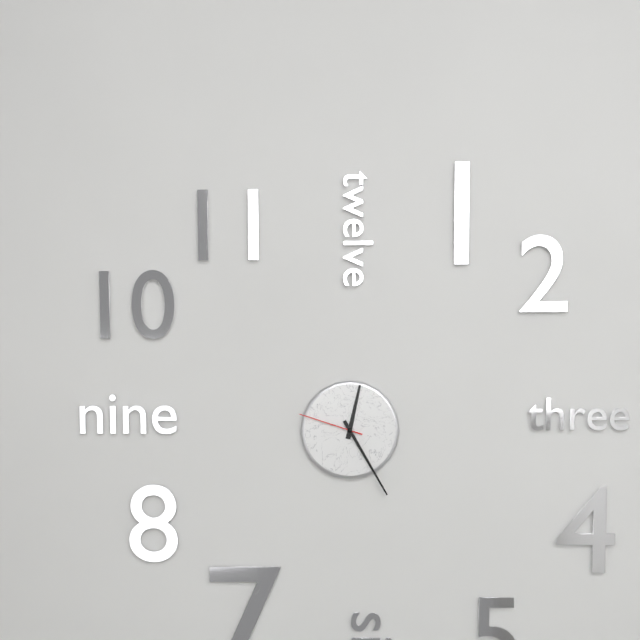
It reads **12:25:48**
